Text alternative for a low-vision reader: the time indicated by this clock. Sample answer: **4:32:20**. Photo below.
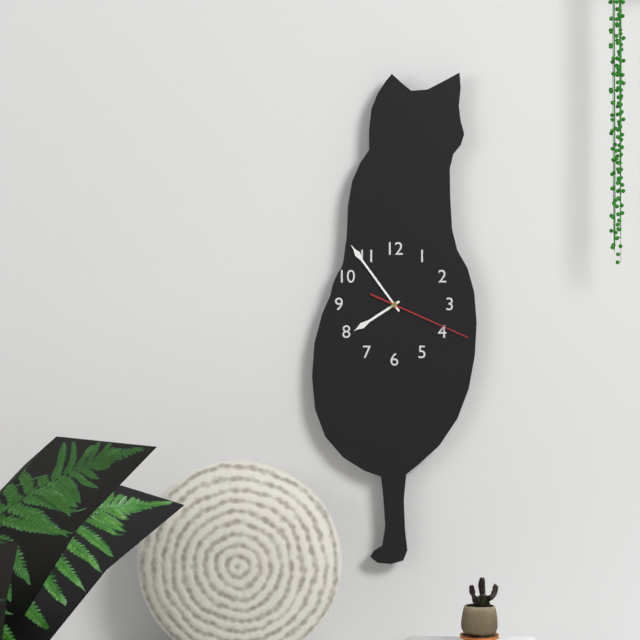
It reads **7:54:19**
